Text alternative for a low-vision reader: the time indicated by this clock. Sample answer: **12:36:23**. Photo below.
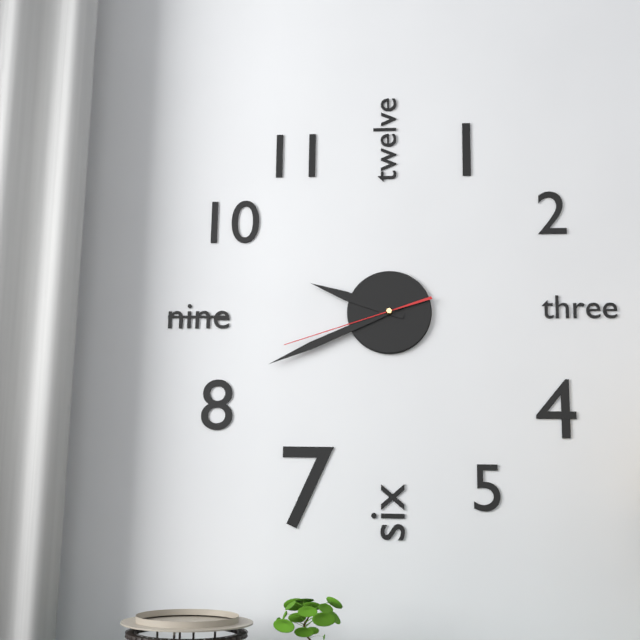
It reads **9:41:42**
